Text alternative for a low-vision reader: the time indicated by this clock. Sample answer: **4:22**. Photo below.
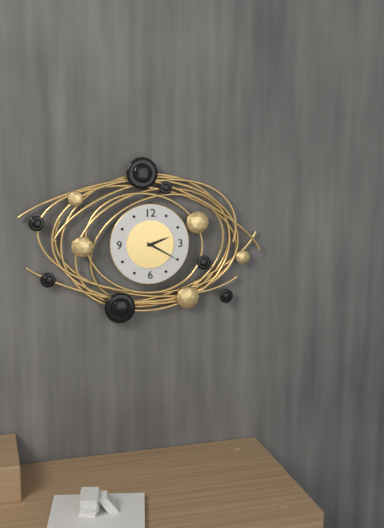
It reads **2:20**
